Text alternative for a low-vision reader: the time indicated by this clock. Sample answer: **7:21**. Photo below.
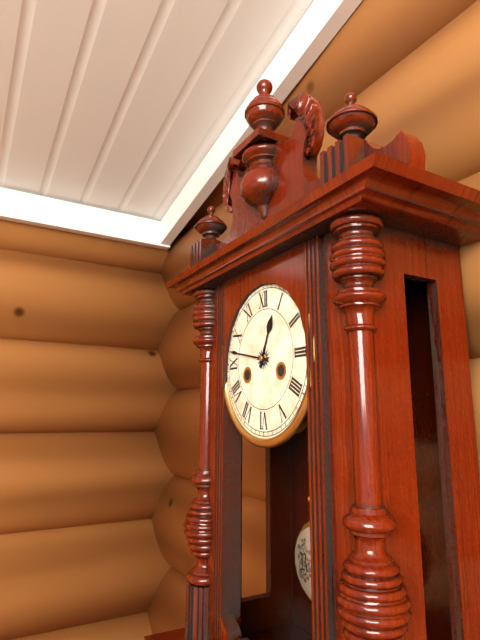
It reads **12:47**
